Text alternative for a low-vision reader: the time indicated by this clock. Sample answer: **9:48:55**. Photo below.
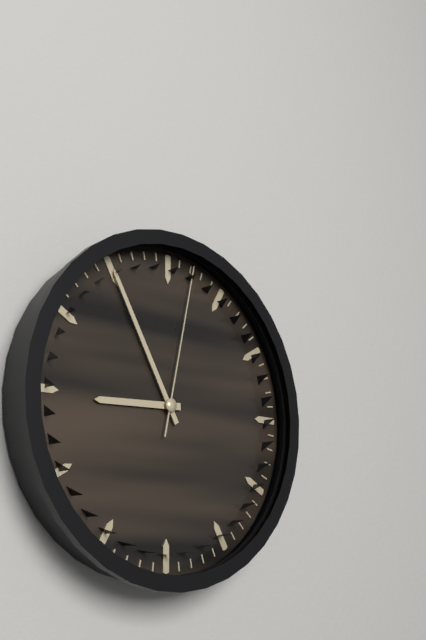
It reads **8:55:02**
